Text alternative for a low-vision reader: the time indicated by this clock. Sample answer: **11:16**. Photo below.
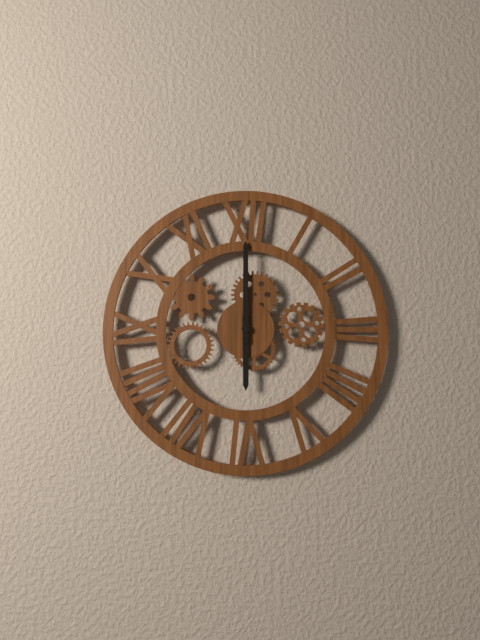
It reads **6:00**
